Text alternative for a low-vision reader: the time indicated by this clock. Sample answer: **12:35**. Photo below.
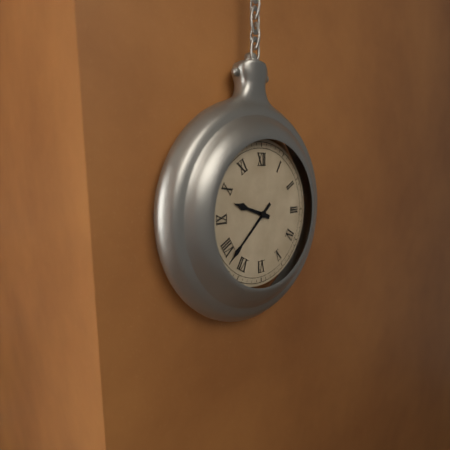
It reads **9:38**
